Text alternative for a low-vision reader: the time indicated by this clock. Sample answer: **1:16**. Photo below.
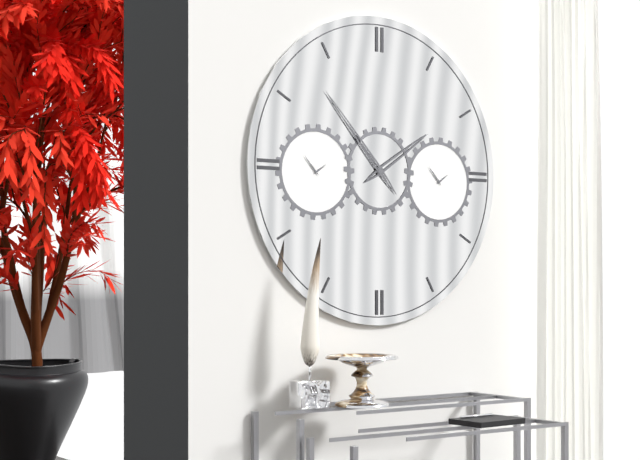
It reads **1:53**
